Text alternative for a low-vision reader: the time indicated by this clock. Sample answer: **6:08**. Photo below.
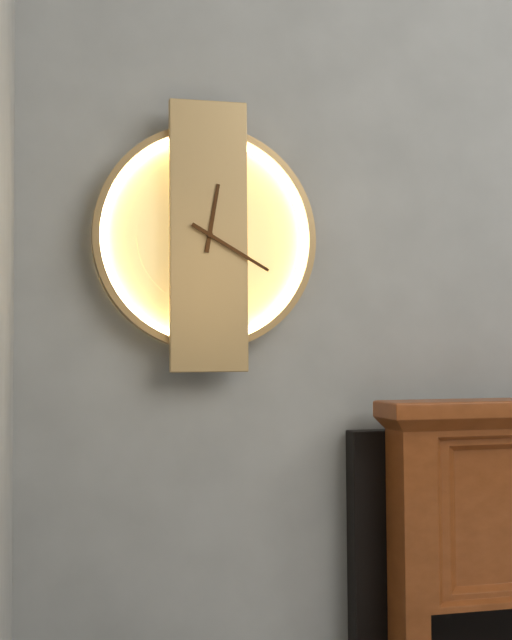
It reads **12:20**
